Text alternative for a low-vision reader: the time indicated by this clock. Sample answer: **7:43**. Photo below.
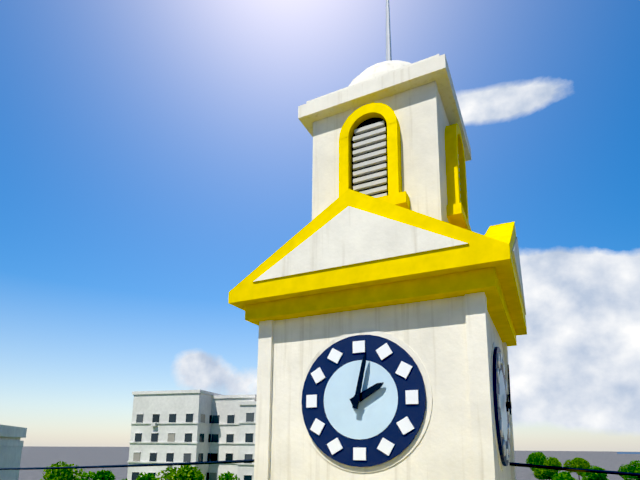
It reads **2:02**
